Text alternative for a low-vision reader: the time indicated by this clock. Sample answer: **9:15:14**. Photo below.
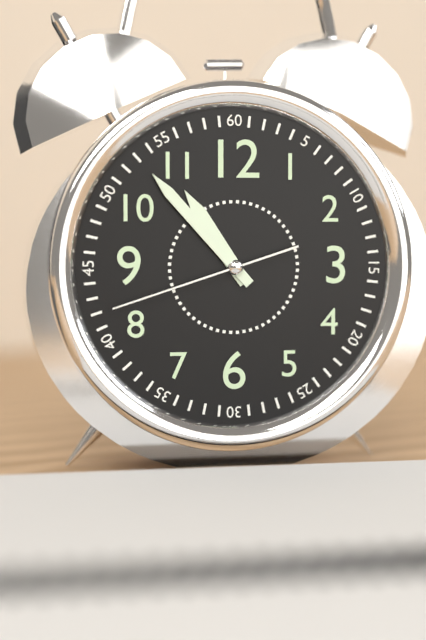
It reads **10:53:42**
